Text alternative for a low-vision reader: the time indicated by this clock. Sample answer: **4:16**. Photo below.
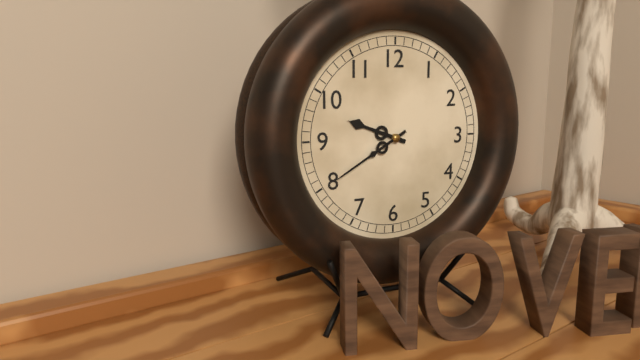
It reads **9:40**
